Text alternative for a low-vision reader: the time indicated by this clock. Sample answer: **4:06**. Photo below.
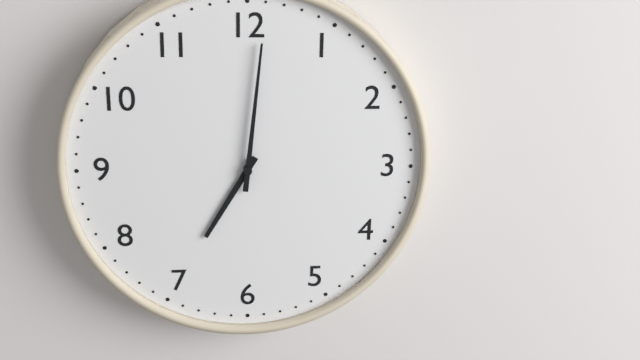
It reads **7:01**
